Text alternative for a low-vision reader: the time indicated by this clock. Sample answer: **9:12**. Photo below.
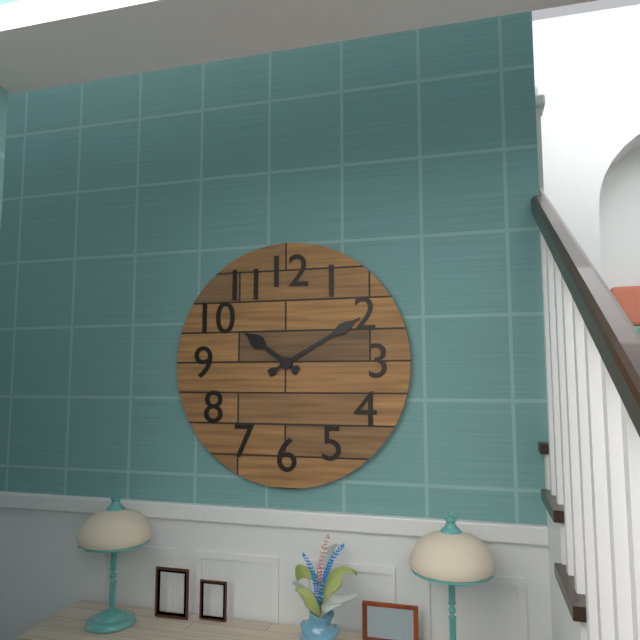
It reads **10:10**
